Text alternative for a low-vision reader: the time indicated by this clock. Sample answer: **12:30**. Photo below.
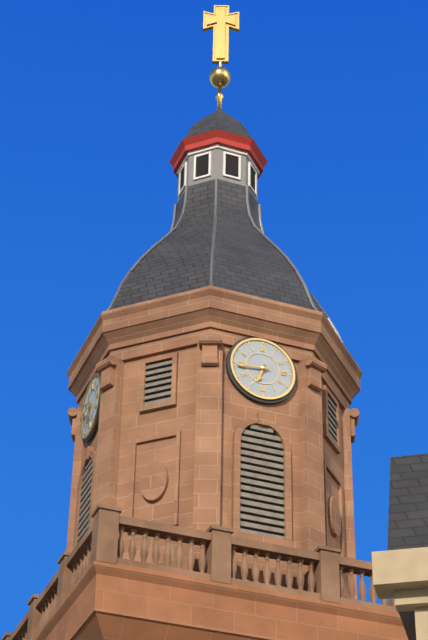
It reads **6:44**
